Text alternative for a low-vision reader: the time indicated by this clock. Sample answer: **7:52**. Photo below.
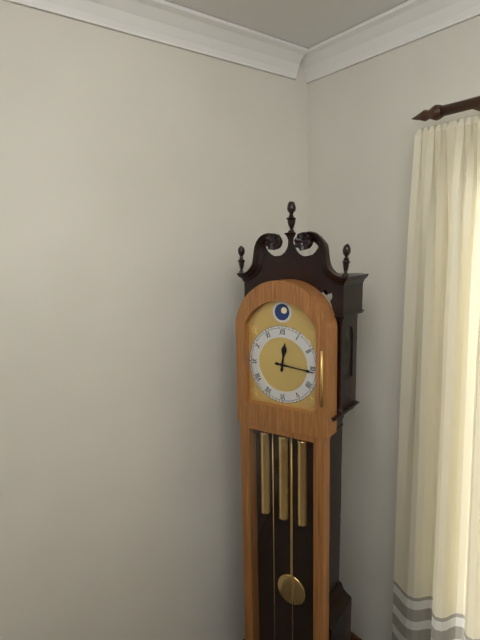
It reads **12:16**
